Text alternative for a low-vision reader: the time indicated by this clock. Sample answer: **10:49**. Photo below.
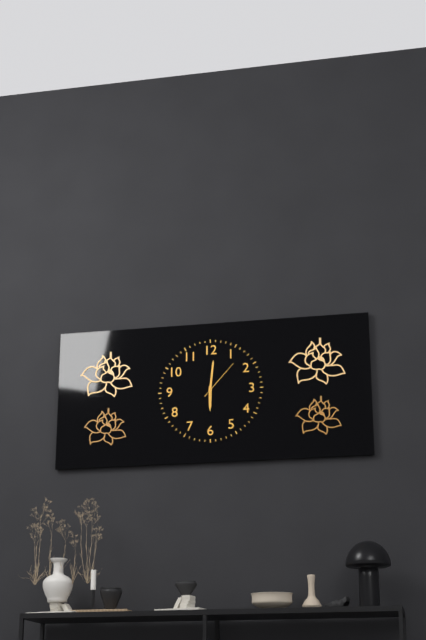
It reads **6:01**
